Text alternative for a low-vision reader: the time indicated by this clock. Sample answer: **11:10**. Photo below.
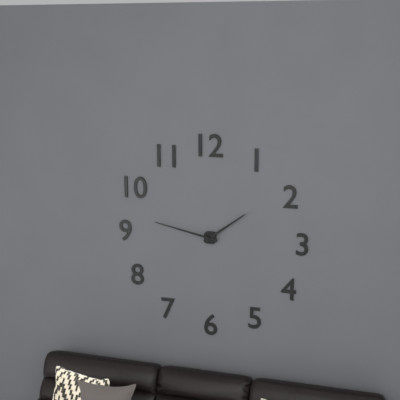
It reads **1:47**
